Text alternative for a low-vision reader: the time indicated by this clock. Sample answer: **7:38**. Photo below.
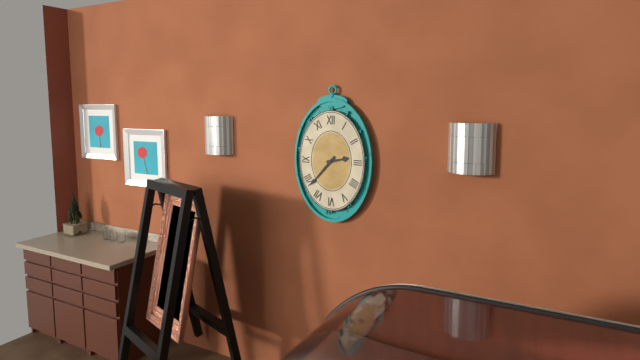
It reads **2:37**
